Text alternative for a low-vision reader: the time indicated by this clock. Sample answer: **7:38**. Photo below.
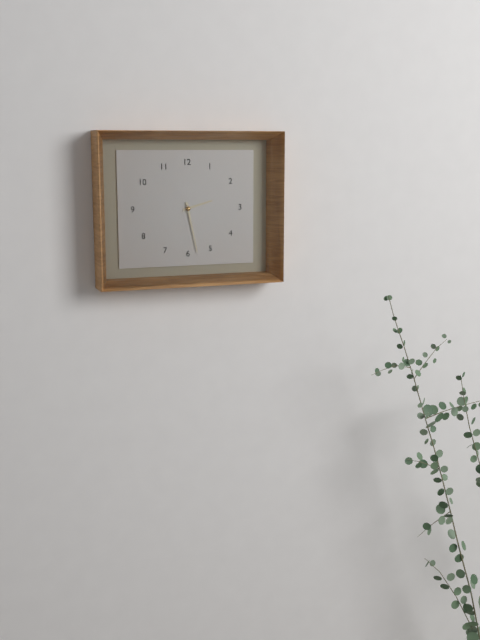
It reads **2:28**
